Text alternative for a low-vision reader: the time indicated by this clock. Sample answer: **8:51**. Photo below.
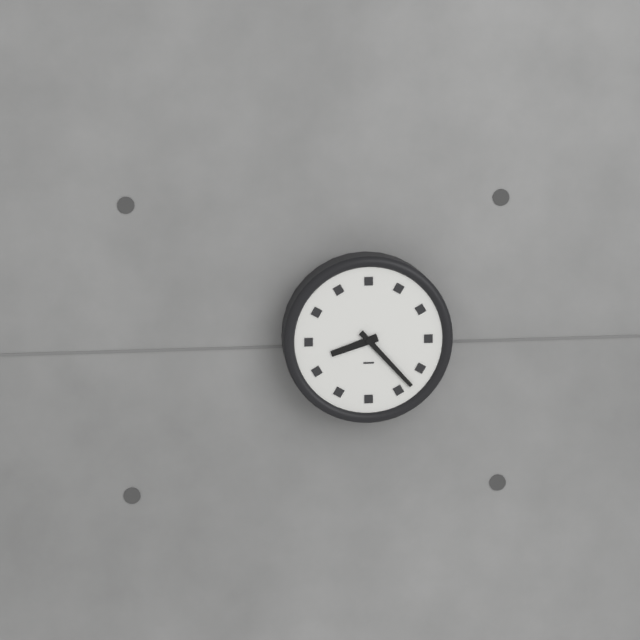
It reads **8:23**
